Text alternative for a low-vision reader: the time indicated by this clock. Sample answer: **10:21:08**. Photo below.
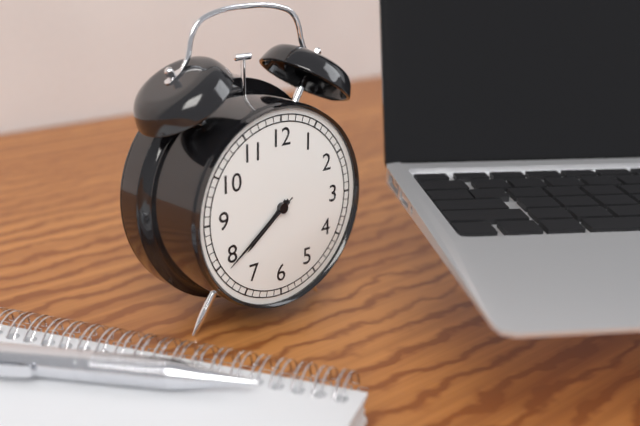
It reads **7:39:39**
